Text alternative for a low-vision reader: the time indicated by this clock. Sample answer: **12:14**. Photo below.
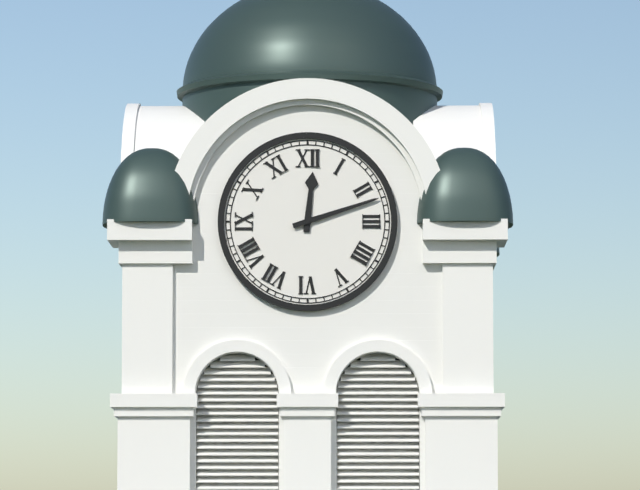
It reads **12:12**
